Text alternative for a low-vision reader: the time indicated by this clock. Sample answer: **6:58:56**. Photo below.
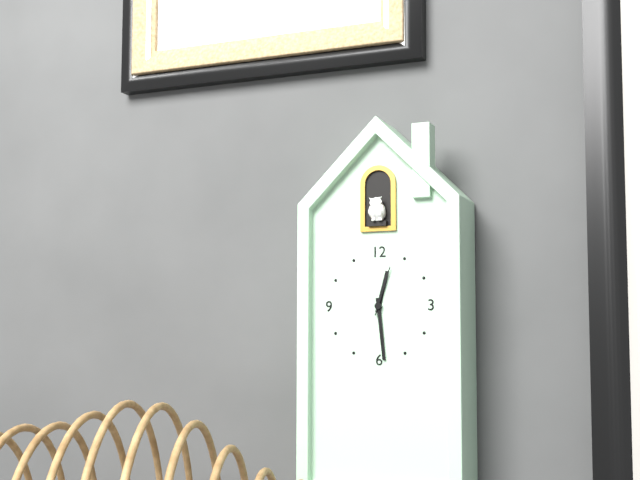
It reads **12:29:03**
